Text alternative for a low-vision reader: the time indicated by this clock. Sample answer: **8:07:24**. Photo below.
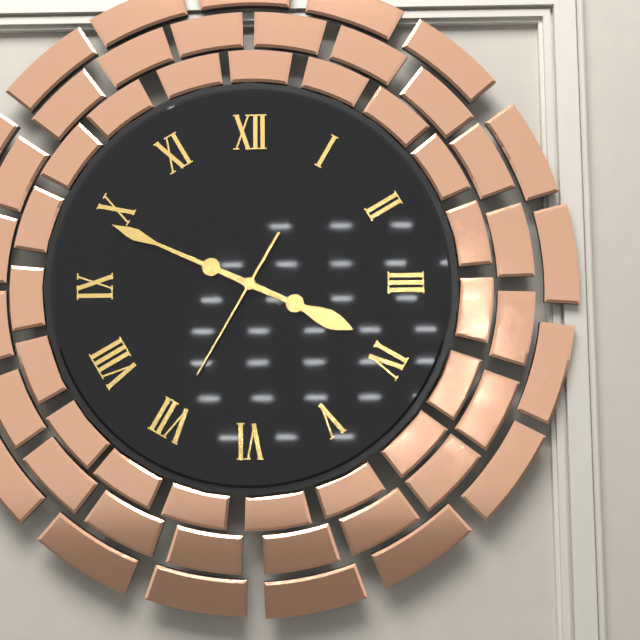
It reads **3:49:35**
